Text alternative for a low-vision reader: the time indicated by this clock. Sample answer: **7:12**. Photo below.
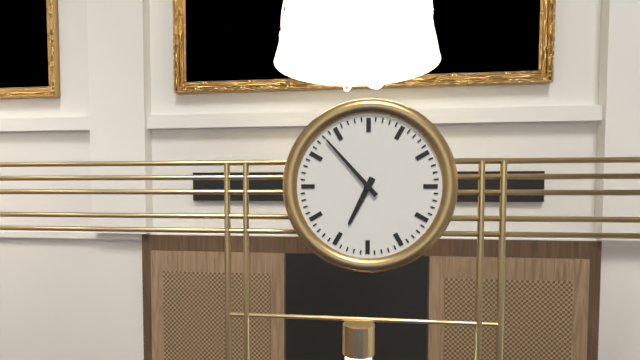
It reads **6:53**
